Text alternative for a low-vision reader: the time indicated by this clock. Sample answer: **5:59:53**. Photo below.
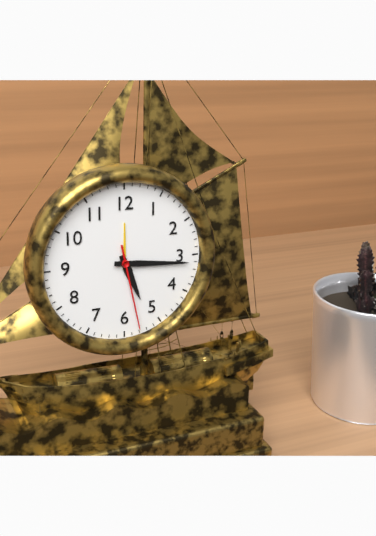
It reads **5:16:28**
